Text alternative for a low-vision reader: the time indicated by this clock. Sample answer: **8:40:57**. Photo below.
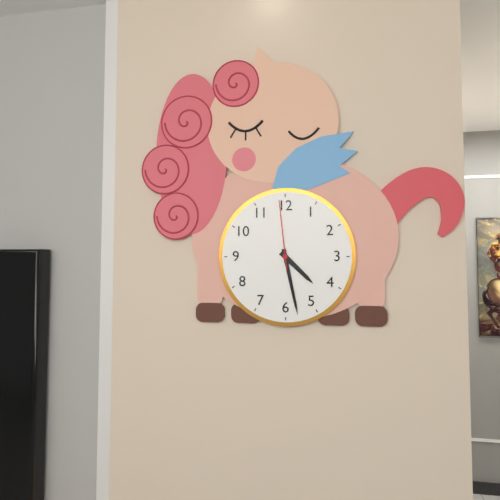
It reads **4:28:59**
